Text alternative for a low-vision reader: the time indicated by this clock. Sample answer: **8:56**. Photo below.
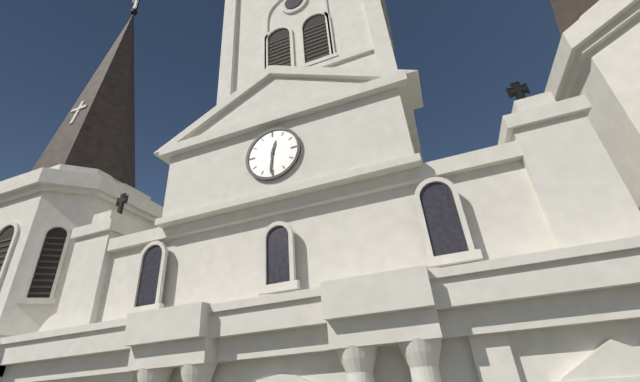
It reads **12:31**
